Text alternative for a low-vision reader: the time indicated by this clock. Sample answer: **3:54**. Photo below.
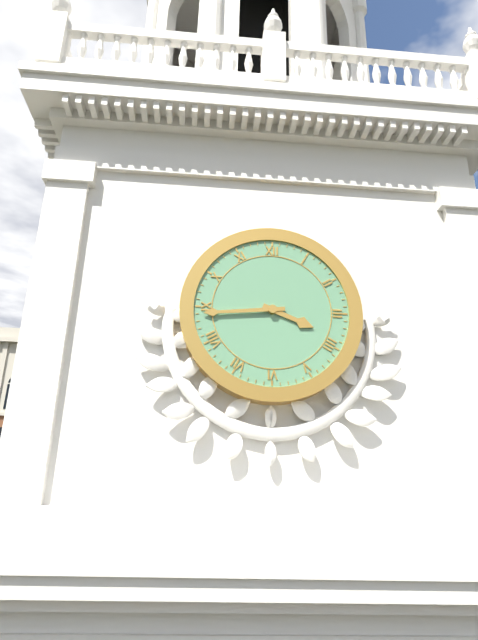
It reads **3:44**
